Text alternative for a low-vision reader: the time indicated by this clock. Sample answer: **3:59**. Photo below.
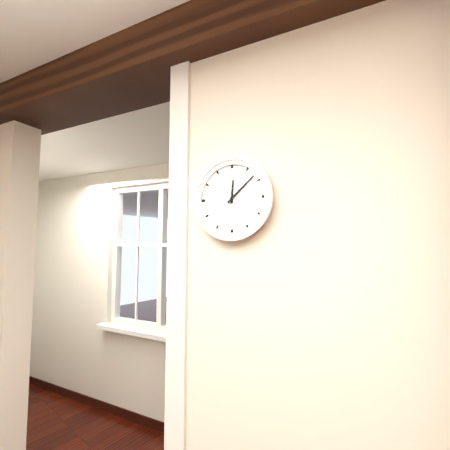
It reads **12:08**
